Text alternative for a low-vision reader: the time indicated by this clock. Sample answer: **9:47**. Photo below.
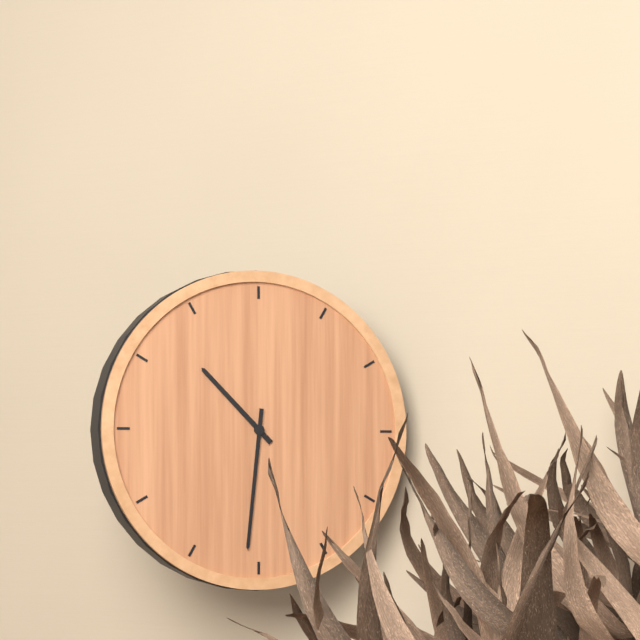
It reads **10:31**
